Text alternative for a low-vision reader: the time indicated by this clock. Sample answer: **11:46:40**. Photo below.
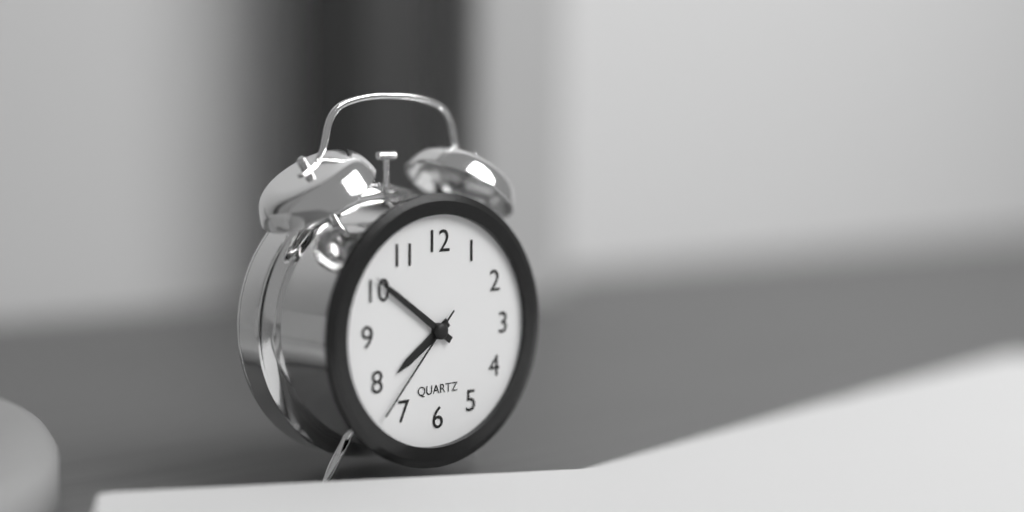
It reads **7:51:37**
